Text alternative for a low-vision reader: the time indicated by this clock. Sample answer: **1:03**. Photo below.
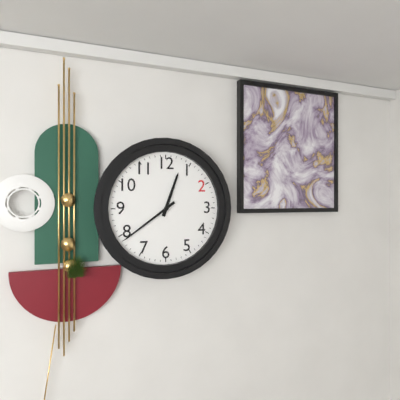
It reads **12:39**
